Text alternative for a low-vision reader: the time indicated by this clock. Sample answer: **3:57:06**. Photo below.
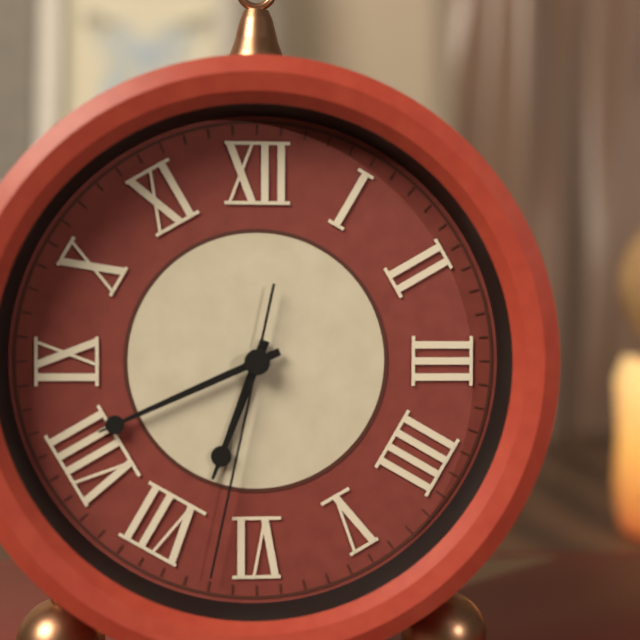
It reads **6:41:32**
